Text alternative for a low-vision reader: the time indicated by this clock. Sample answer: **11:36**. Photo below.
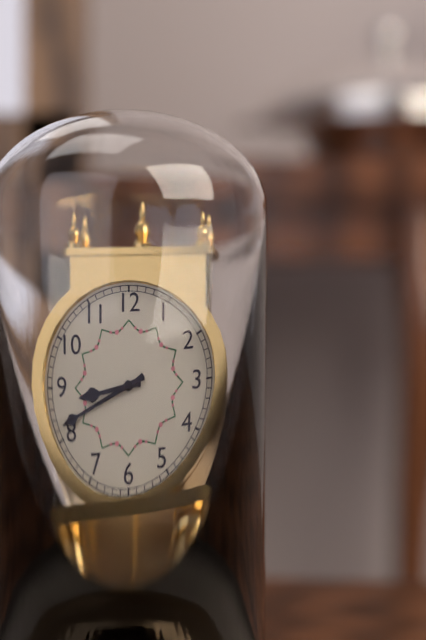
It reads **8:41**
